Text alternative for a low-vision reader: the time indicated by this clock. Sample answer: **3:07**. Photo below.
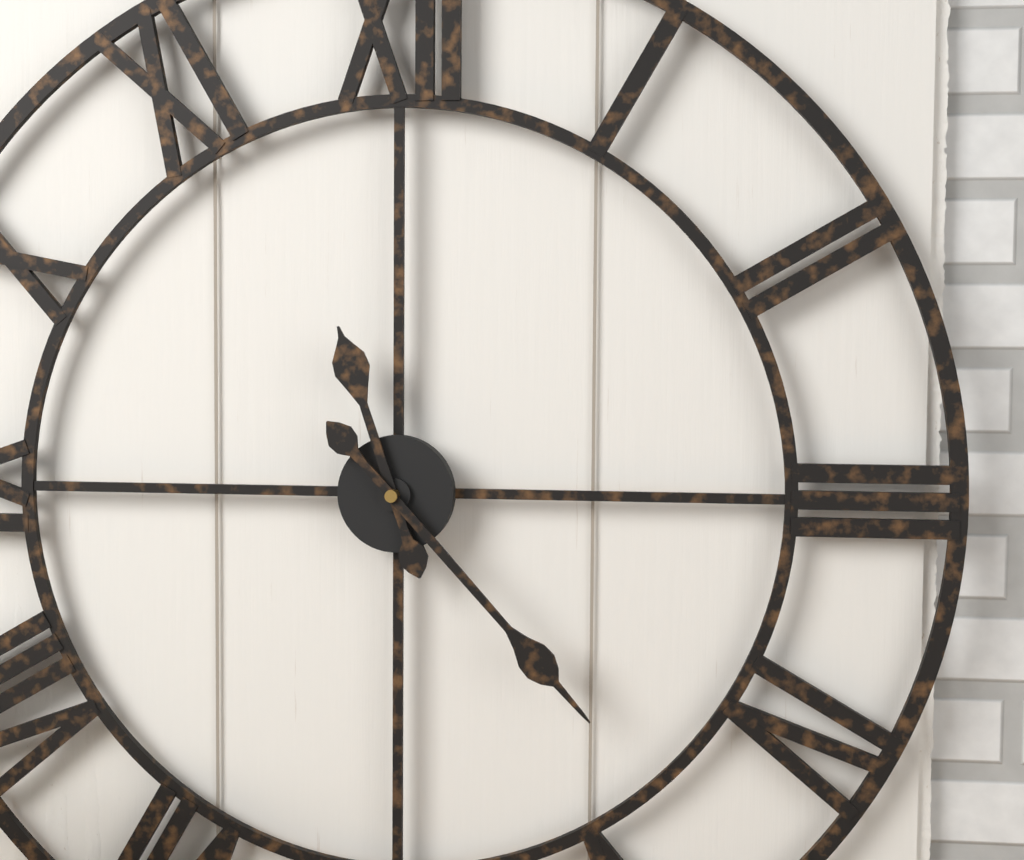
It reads **11:23**
